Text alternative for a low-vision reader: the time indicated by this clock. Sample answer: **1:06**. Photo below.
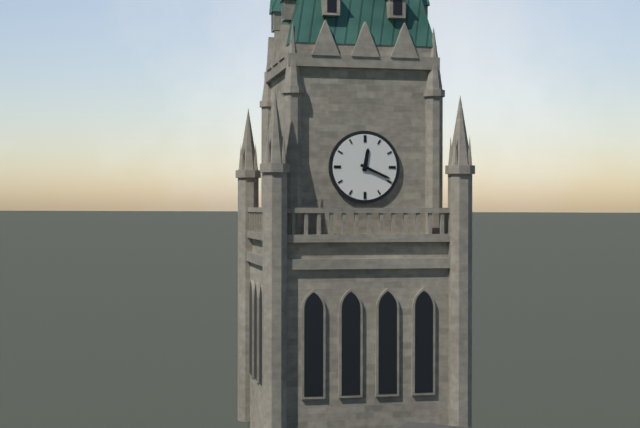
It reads **12:19**
